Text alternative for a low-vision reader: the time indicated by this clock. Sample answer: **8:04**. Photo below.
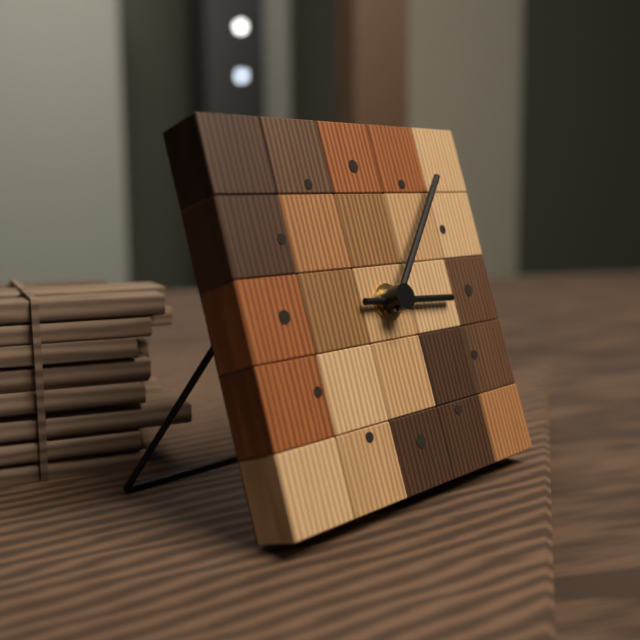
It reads **3:07**
